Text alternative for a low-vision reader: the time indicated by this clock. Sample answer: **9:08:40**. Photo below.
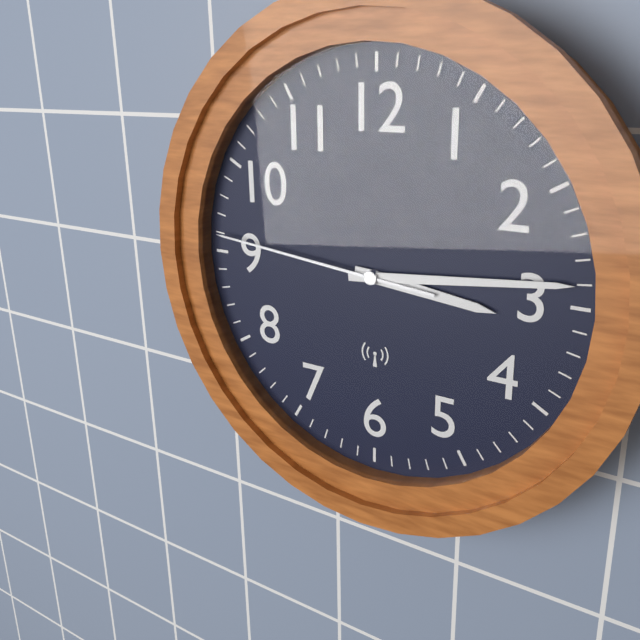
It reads **3:14:46**
